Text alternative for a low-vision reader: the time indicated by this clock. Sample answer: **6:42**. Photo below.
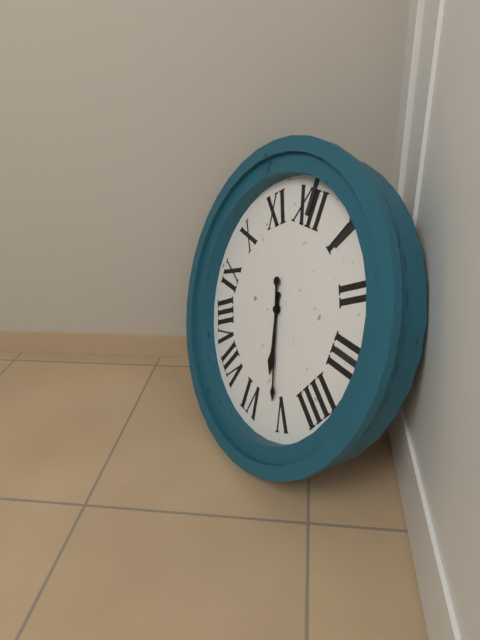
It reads **5:26**
